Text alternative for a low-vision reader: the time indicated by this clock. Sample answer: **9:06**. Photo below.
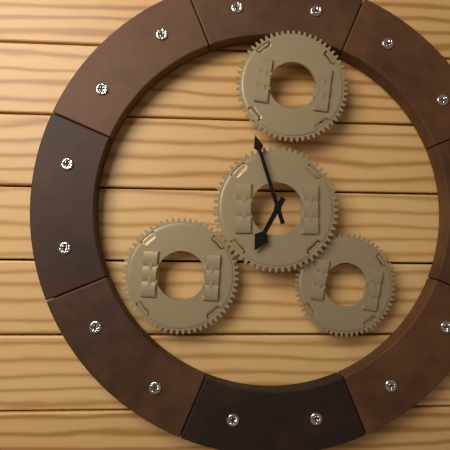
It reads **6:57**
